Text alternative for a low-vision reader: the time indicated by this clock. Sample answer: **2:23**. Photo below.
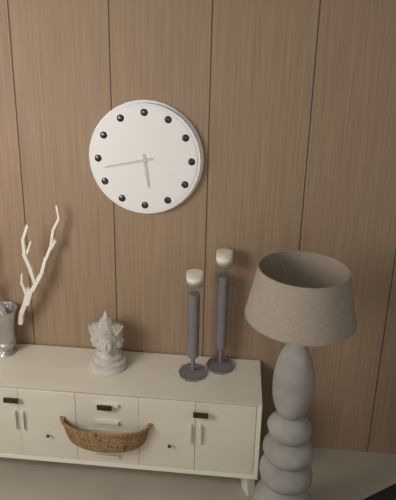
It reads **5:43**
